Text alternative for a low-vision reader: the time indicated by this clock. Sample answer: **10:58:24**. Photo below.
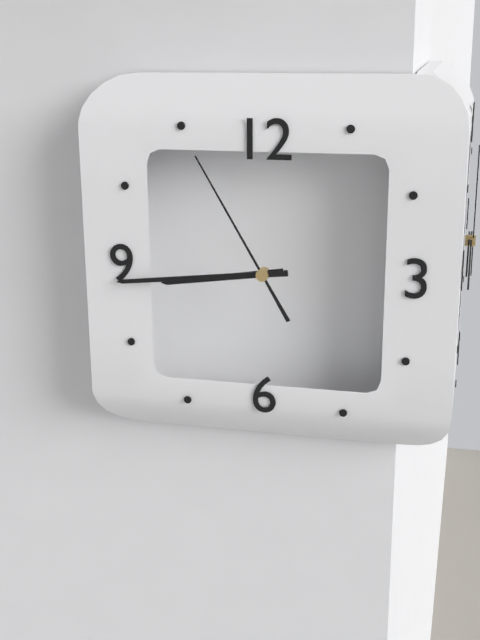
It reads **8:44:55**
